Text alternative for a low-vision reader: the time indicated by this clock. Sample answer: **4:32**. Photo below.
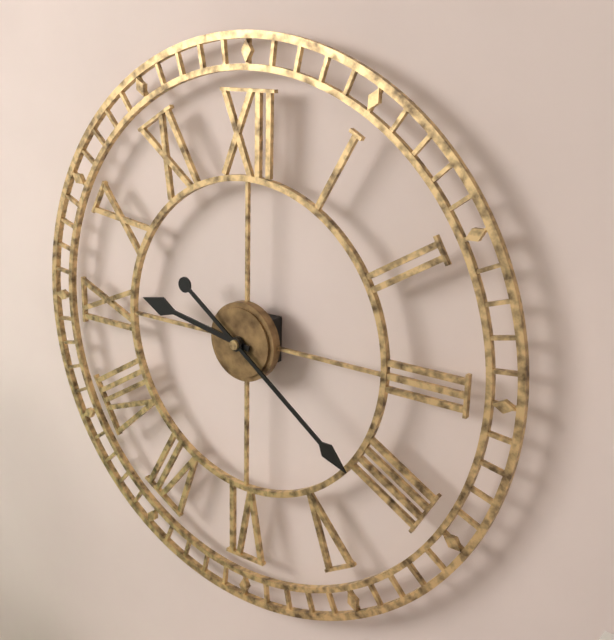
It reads **9:21**
